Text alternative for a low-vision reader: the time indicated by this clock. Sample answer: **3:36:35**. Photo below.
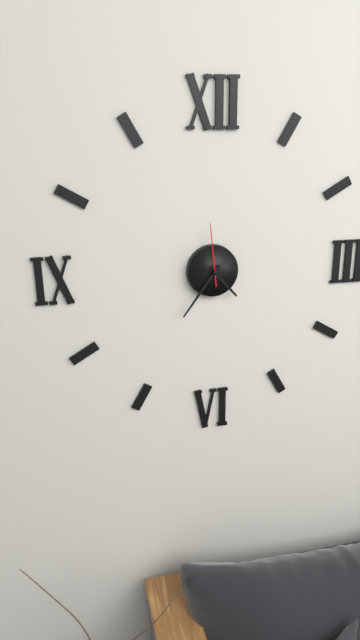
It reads **4:36:59**
